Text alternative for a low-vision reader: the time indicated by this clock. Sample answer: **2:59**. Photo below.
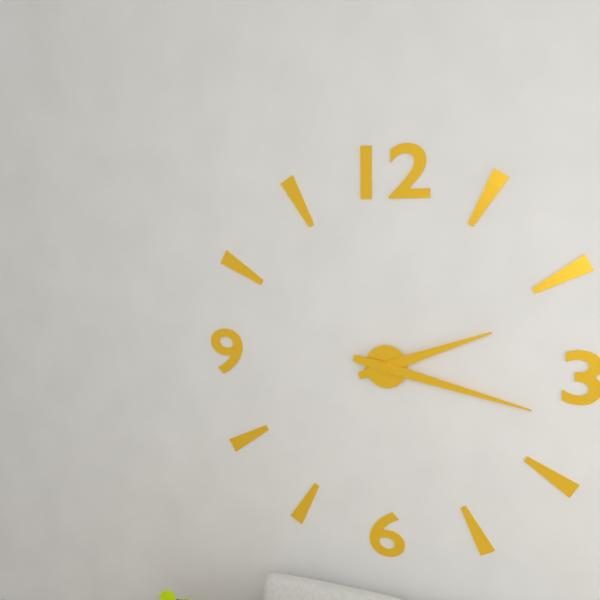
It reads **2:17**
